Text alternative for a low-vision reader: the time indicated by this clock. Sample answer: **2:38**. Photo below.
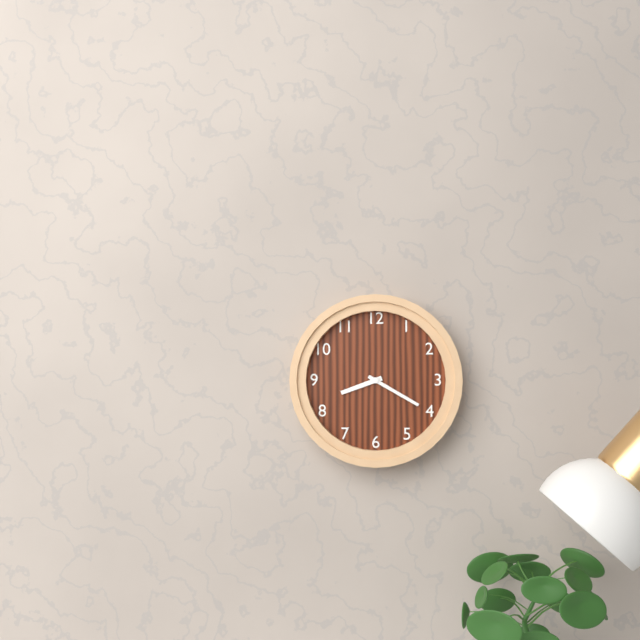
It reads **8:20**
